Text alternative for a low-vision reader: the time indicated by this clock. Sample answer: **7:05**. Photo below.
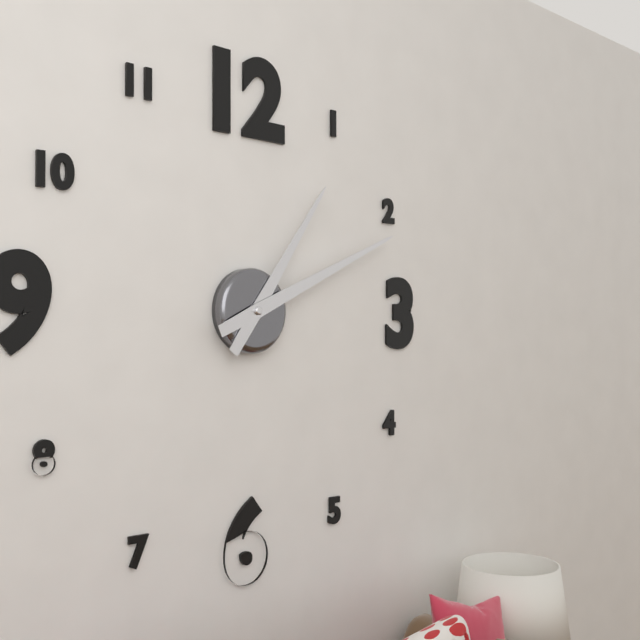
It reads **1:11**
